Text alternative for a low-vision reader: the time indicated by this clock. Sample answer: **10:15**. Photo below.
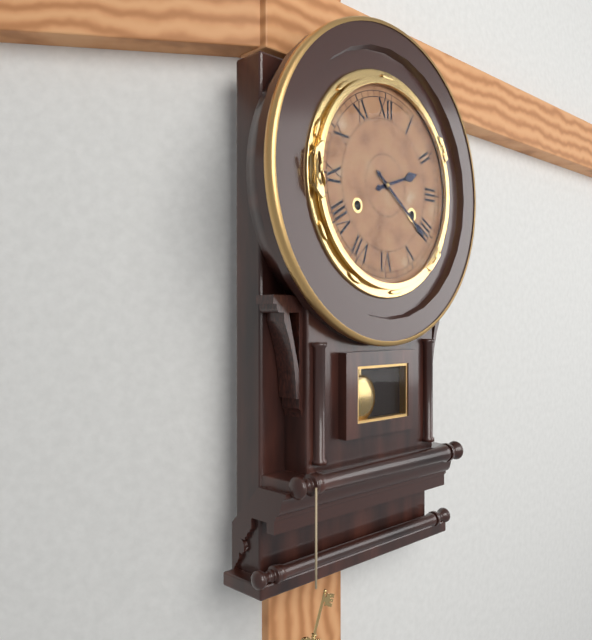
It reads **2:21**
